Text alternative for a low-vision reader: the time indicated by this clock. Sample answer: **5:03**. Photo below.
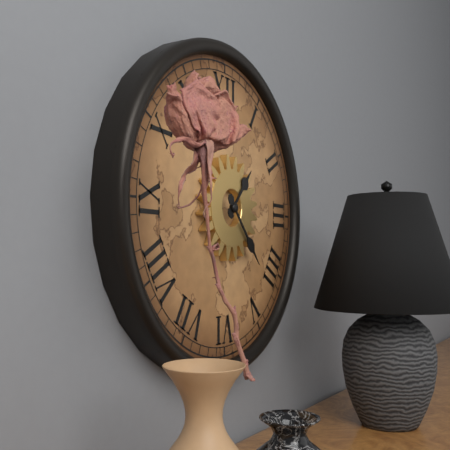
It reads **1:23**
